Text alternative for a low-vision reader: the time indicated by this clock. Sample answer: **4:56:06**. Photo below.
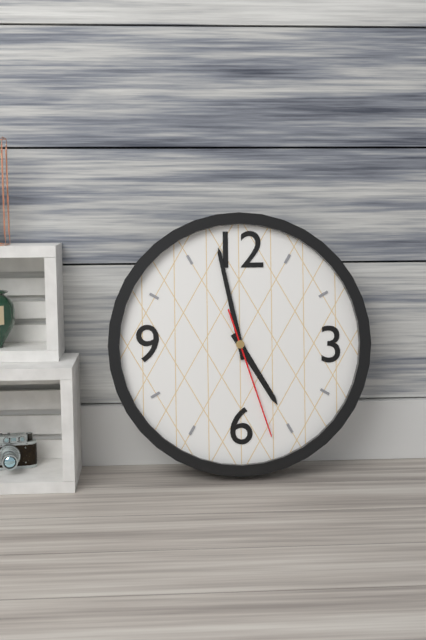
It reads **4:58:27**
